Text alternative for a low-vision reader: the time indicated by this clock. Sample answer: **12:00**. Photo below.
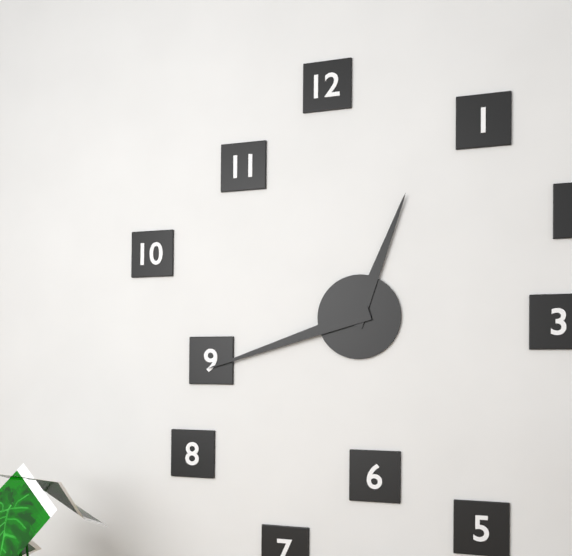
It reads **12:42**
